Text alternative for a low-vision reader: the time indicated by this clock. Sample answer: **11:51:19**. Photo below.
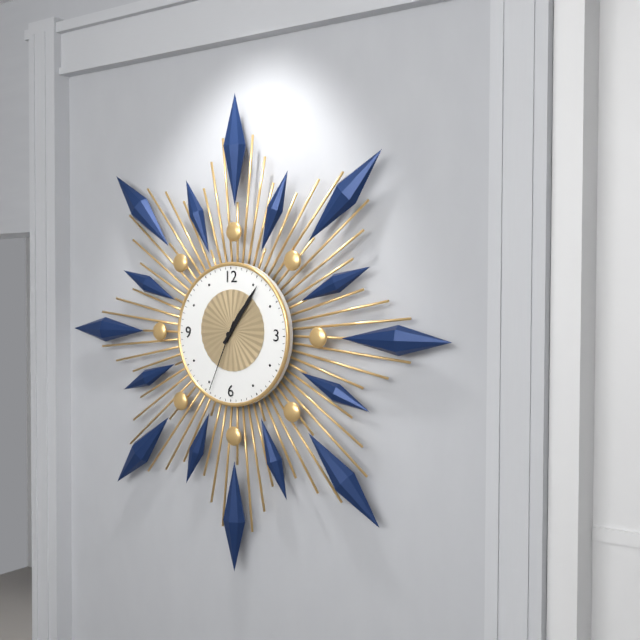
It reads **1:06:34**
